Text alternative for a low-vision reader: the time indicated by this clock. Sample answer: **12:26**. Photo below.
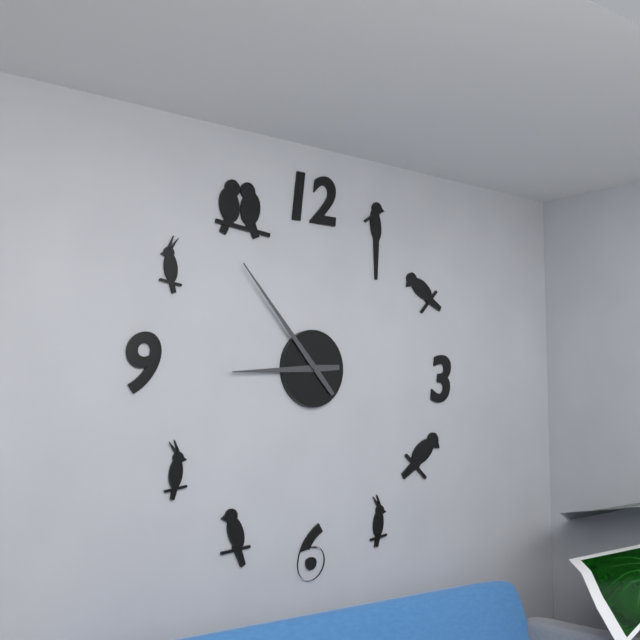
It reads **8:53**
